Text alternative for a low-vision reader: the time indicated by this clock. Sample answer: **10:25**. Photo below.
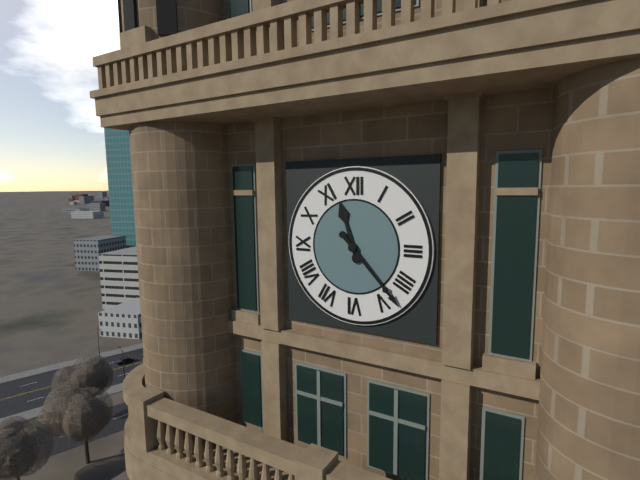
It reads **11:23**
